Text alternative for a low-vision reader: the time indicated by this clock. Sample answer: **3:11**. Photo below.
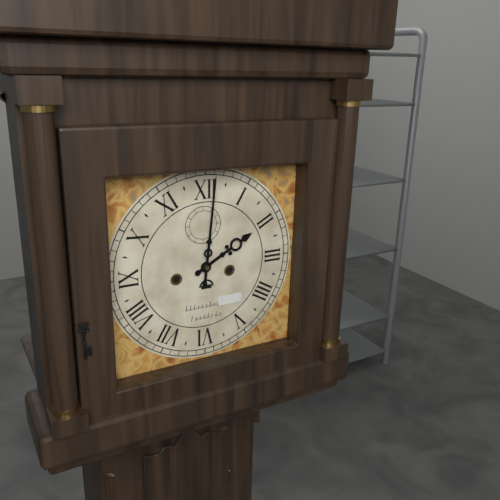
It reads **2:01**
